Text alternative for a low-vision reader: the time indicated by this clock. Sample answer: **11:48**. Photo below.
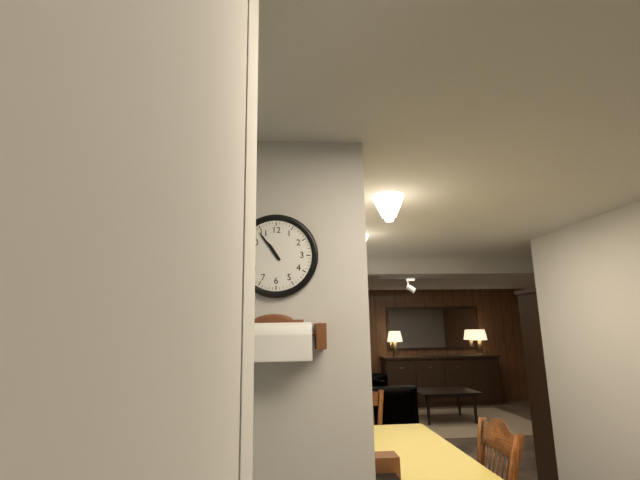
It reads **10:54**
